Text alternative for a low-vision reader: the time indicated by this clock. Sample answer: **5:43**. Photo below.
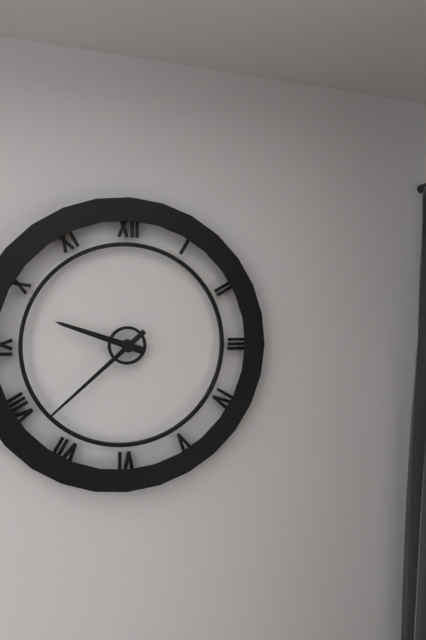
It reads **9:38**
